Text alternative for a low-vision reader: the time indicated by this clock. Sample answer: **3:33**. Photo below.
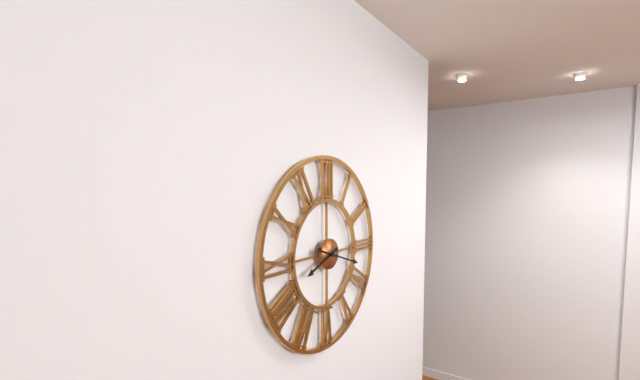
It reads **8:18**
